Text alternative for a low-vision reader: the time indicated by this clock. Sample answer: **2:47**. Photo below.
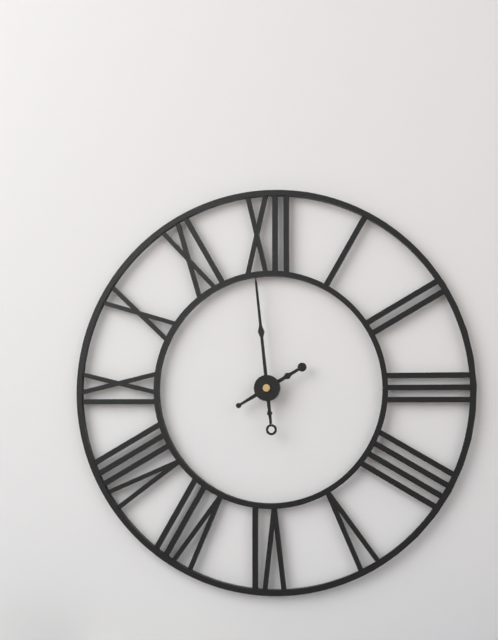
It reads **1:59**
